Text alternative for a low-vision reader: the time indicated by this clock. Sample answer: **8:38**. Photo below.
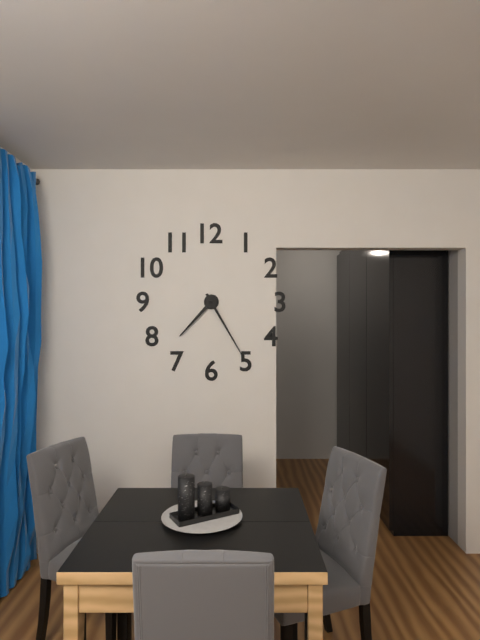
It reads **7:25**
